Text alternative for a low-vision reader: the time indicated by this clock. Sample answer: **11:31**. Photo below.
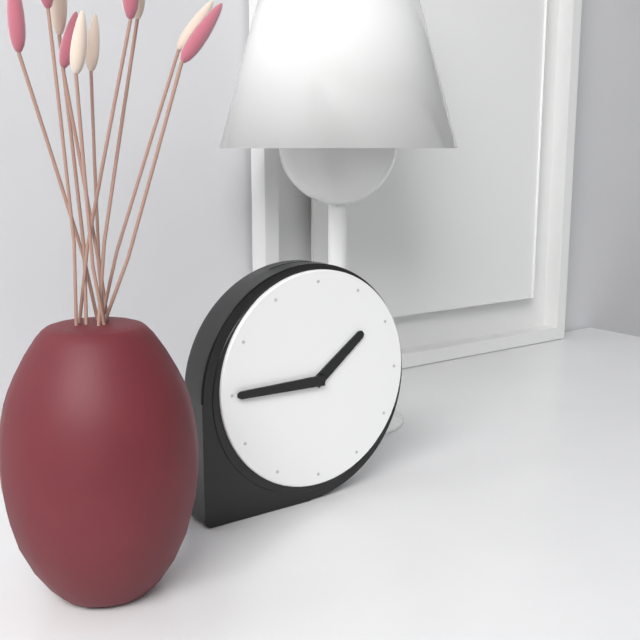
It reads **1:45**
